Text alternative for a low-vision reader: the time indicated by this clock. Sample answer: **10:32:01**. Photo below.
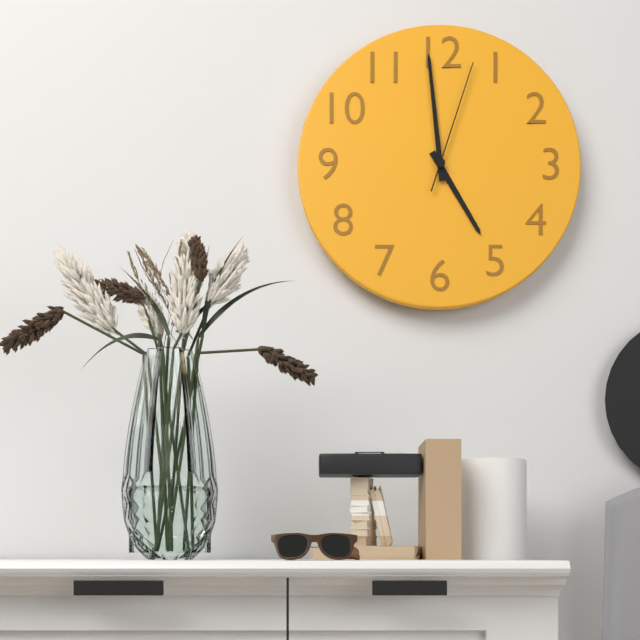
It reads **4:59:03**
